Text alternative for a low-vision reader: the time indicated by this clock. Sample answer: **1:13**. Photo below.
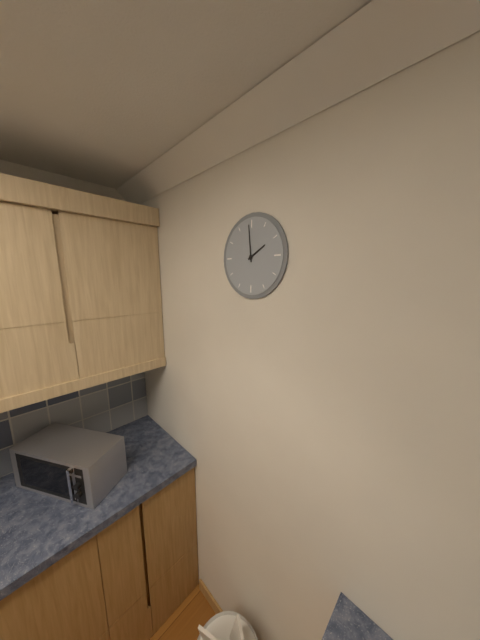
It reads **1:59**
